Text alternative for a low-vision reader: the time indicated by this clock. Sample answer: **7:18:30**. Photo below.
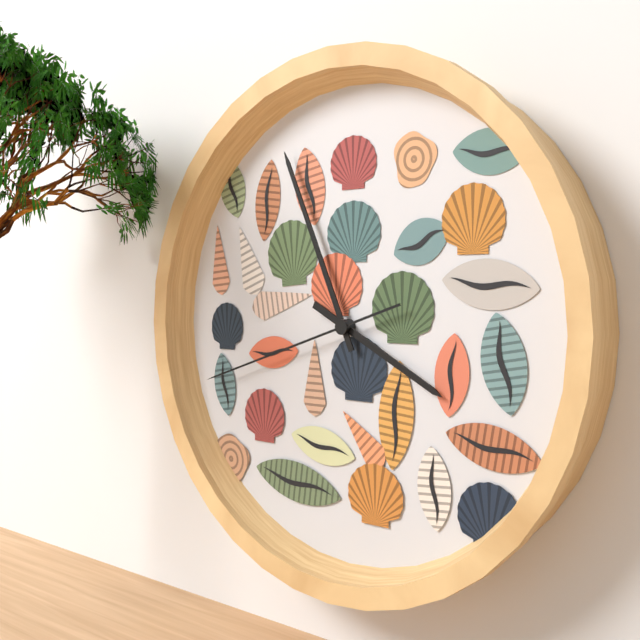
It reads **3:56:42**
